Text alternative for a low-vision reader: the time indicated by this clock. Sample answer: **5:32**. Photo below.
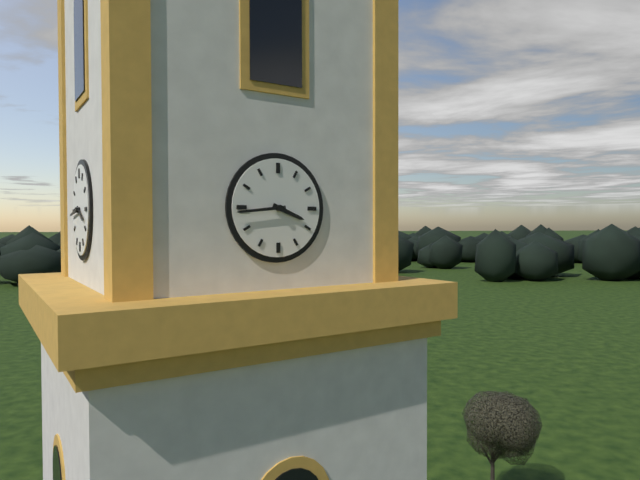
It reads **3:44**
